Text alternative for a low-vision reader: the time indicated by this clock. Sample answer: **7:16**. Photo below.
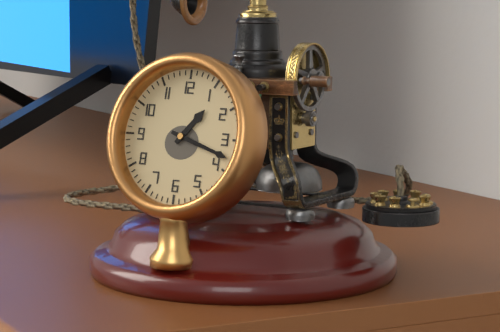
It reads **1:18**
